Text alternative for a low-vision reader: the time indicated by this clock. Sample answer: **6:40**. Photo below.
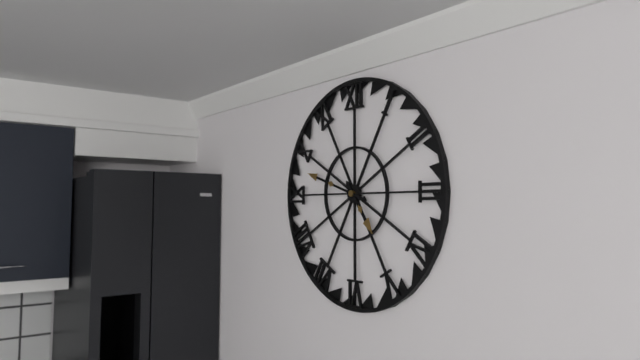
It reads **4:48**
